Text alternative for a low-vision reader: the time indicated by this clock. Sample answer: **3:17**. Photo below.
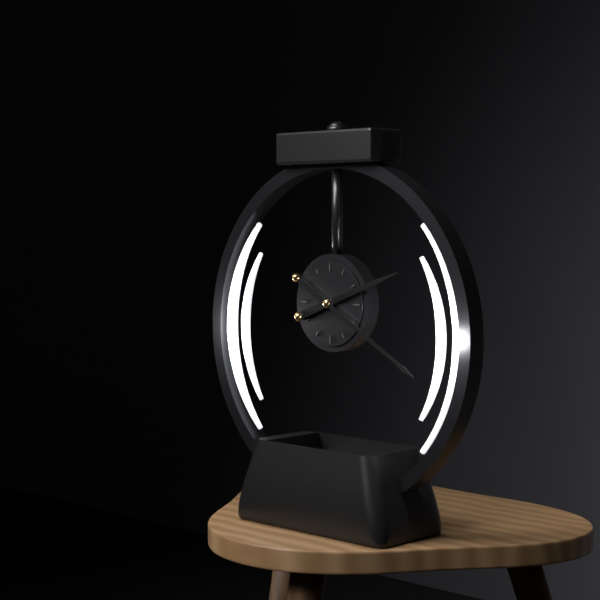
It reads **2:20**
